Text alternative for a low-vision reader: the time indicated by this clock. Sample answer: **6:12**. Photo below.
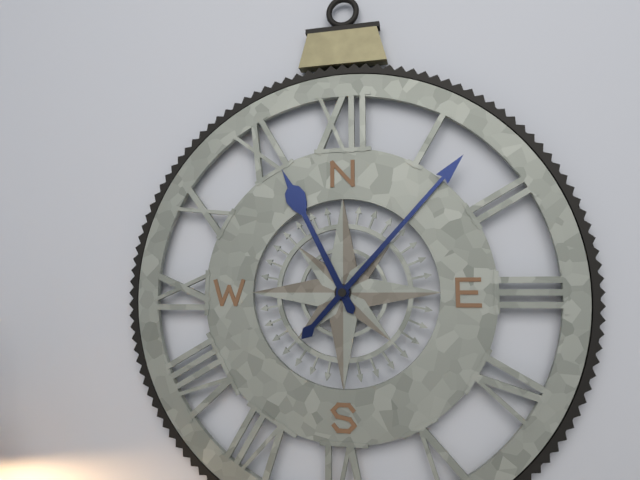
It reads **11:07**
